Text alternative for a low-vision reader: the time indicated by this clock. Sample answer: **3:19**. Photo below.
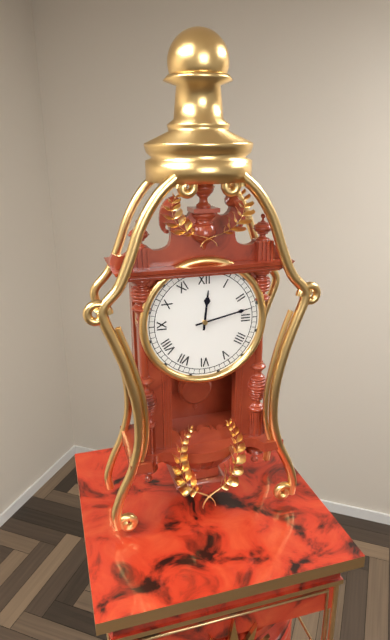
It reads **12:13**
